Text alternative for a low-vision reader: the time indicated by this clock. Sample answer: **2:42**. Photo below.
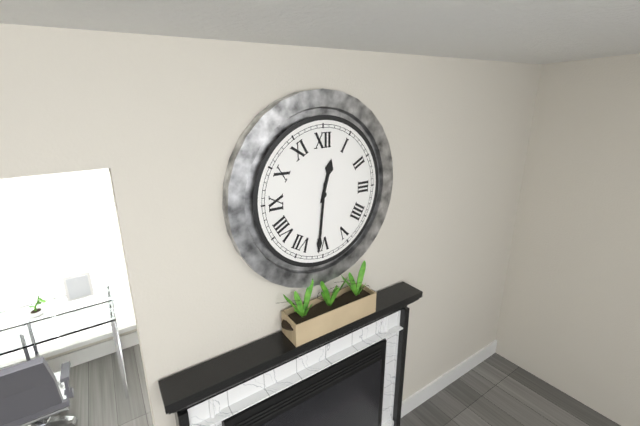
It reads **12:31**
